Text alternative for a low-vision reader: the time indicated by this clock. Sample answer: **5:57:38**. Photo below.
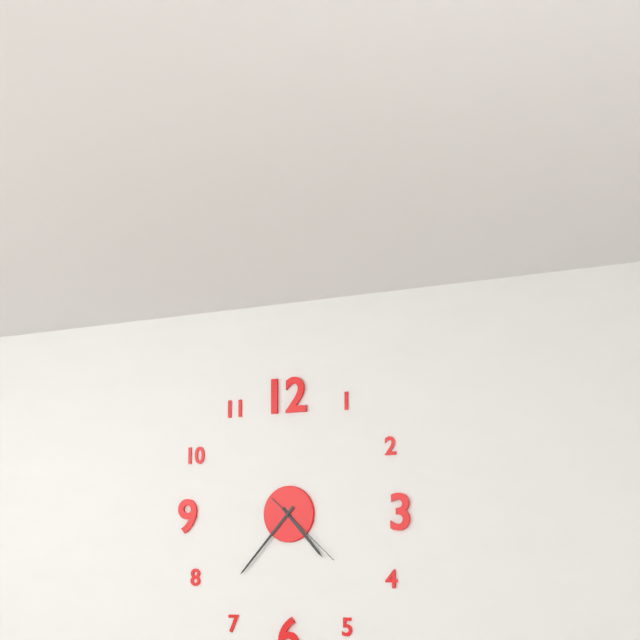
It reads **4:37:22**
